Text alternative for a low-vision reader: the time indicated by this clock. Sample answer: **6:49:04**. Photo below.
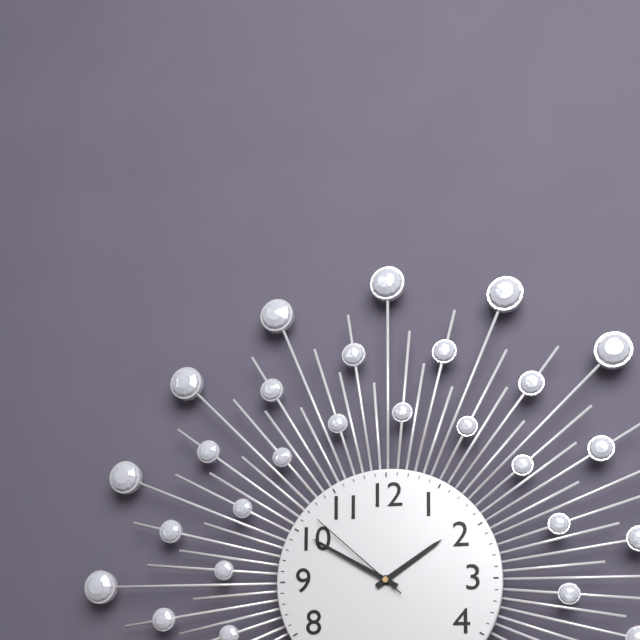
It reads **1:50:52**
